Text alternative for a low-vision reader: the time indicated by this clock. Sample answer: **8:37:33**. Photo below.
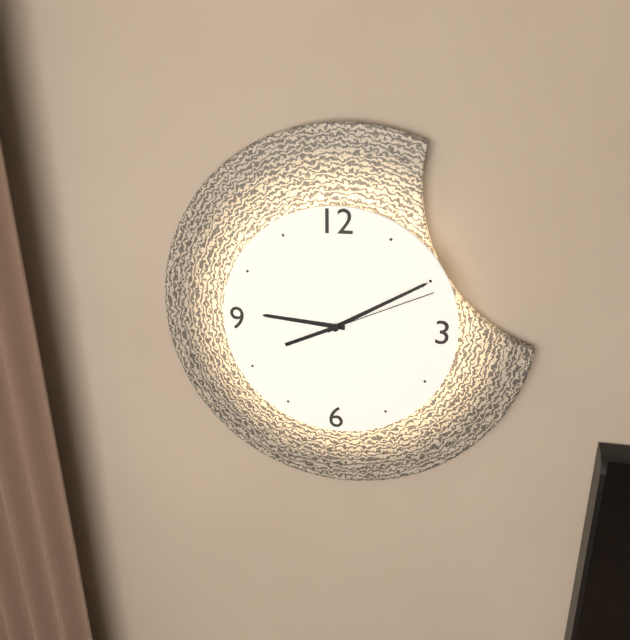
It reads **9:10:11**
